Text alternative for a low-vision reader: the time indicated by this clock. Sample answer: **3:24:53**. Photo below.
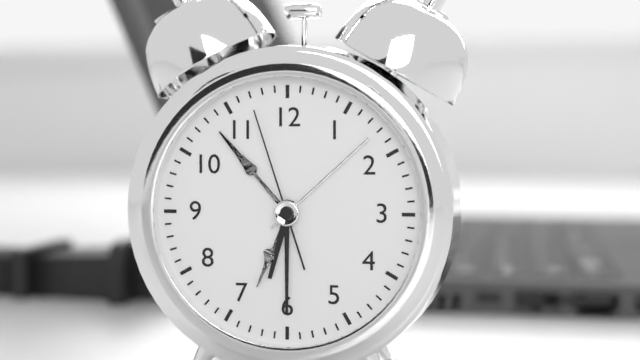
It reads **6:30:57**
